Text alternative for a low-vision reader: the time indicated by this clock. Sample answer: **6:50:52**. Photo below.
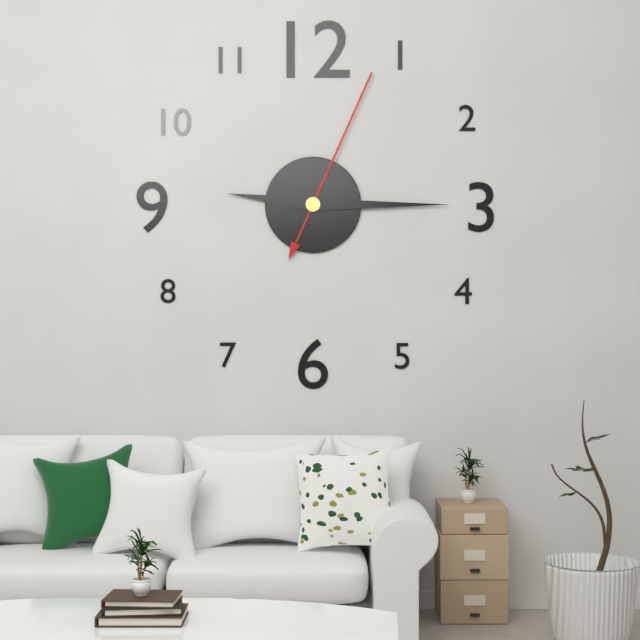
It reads **9:15:04**
